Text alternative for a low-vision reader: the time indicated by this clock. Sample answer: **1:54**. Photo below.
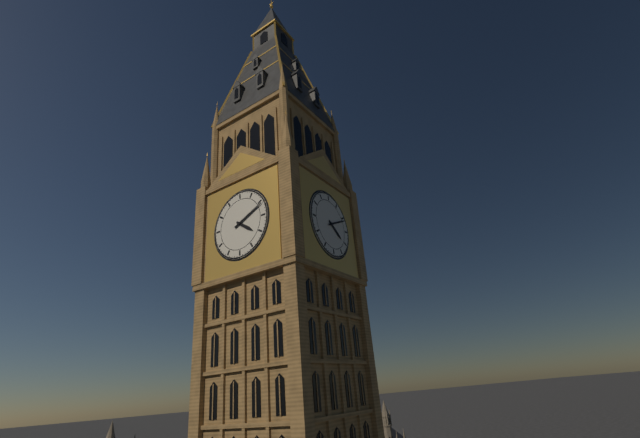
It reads **4:11**
